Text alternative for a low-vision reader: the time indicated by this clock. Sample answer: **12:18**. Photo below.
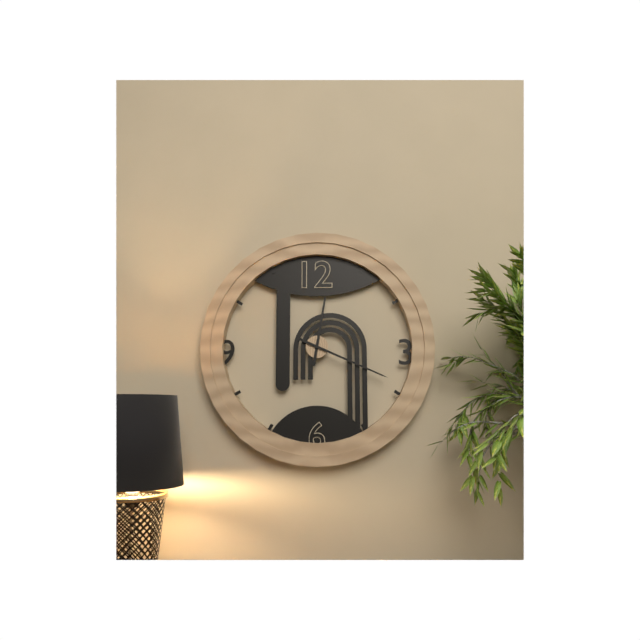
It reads **12:19**
